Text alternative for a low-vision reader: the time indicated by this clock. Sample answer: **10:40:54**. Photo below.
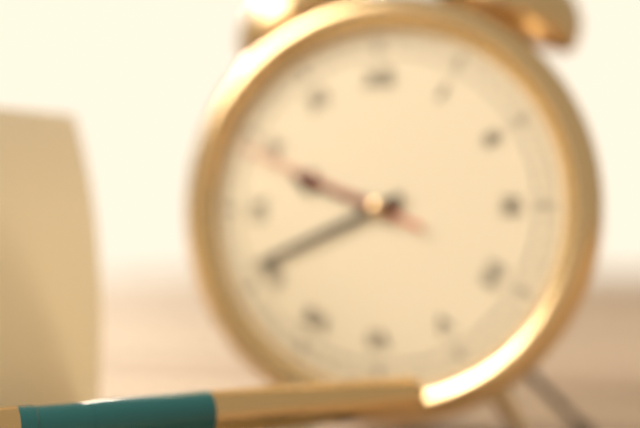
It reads **9:41:49**
